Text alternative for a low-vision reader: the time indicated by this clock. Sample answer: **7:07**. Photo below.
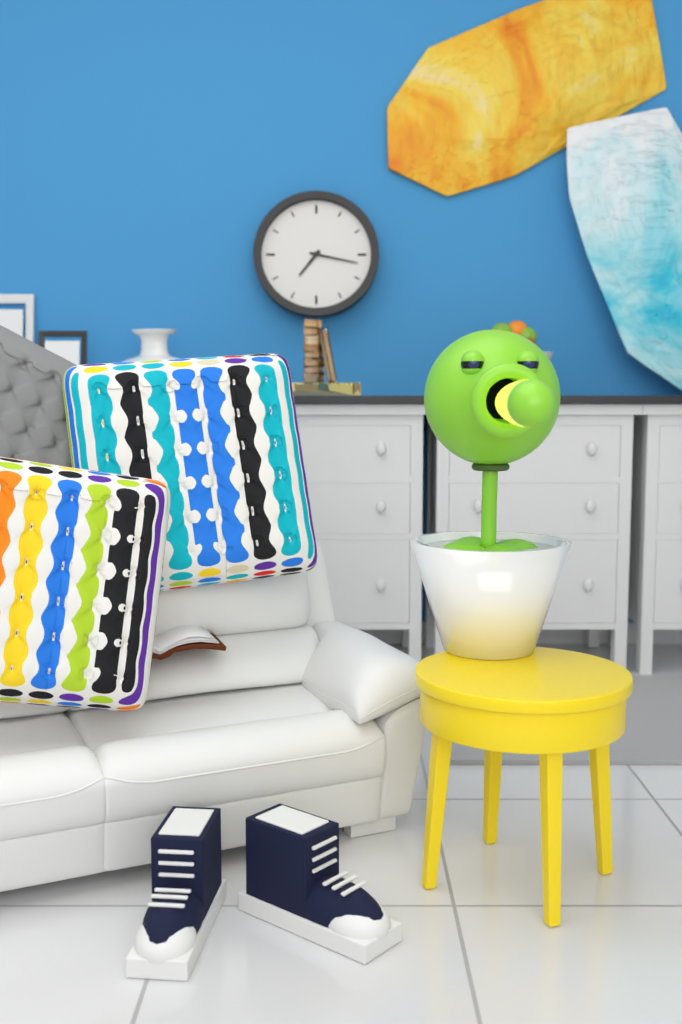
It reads **7:17**
